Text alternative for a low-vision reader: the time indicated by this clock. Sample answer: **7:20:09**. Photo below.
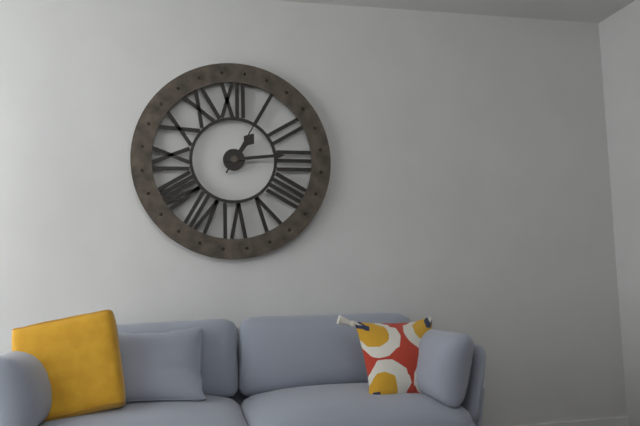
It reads **1:14:05**
